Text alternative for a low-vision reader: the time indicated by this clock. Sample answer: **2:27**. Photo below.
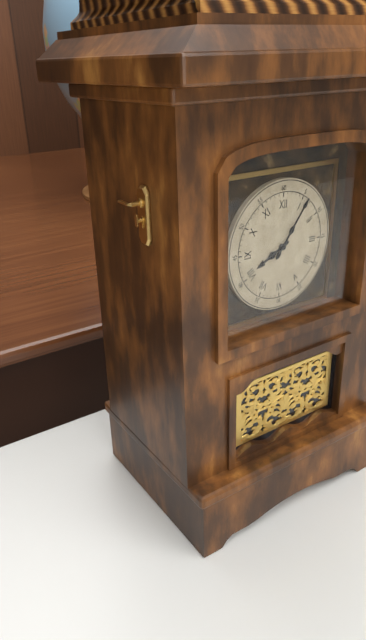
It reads **8:06**
